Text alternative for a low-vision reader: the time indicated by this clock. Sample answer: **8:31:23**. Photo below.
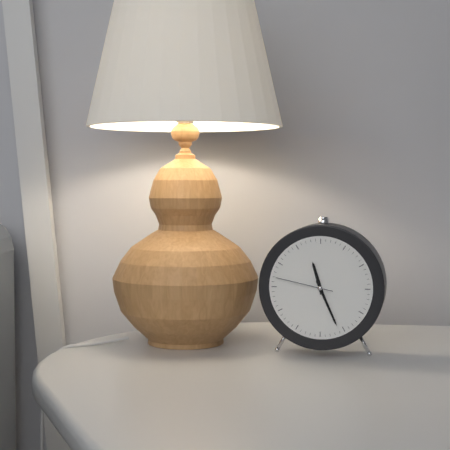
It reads **11:26:47**
